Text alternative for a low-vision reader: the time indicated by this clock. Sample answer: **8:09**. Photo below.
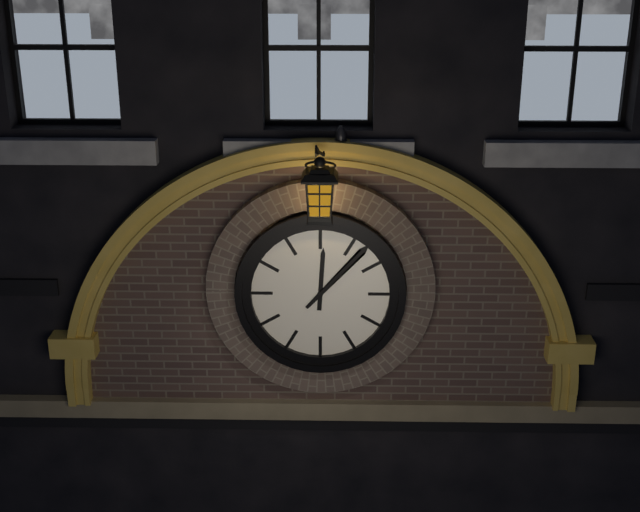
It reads **12:07**
